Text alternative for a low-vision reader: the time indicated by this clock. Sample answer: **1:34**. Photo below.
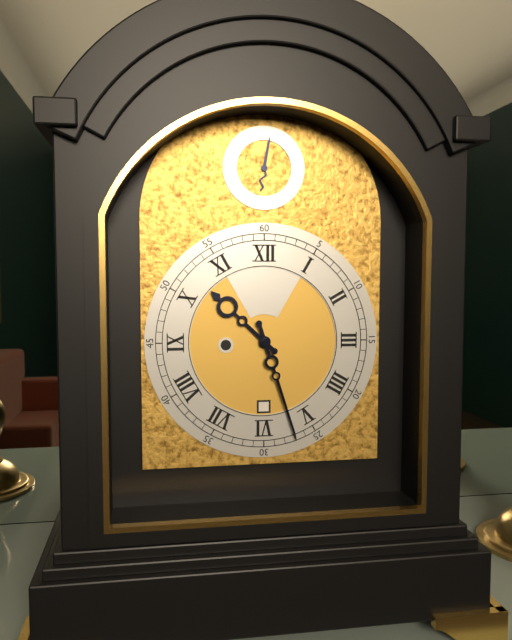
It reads **10:27**
